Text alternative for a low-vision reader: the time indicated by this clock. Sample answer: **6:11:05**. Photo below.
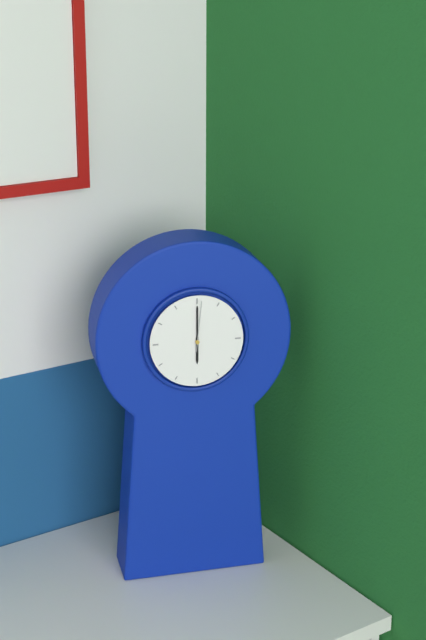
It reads **6:00:01**
